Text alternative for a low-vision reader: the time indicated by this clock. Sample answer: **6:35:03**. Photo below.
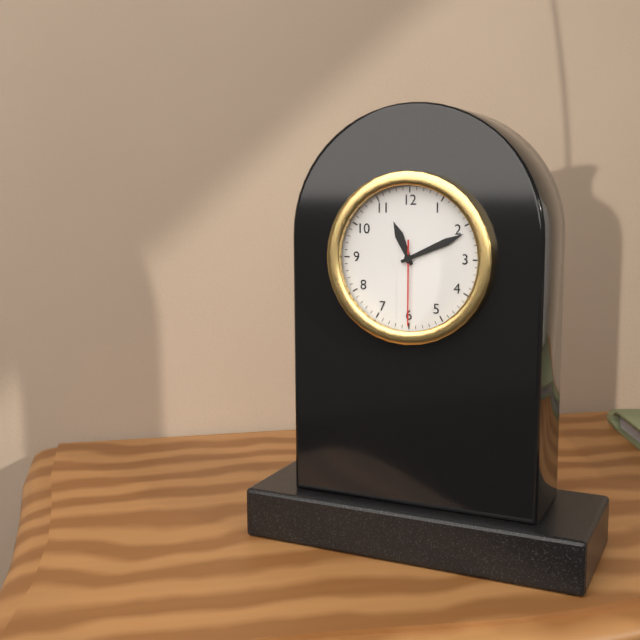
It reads **11:11:30**
